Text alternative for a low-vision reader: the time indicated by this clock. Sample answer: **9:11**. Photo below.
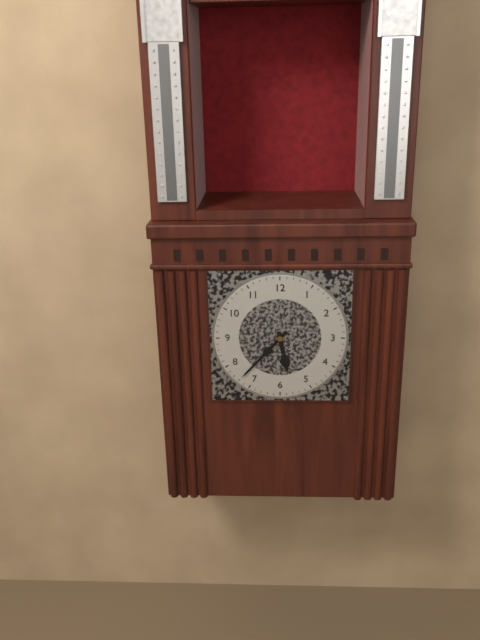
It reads **5:37**
